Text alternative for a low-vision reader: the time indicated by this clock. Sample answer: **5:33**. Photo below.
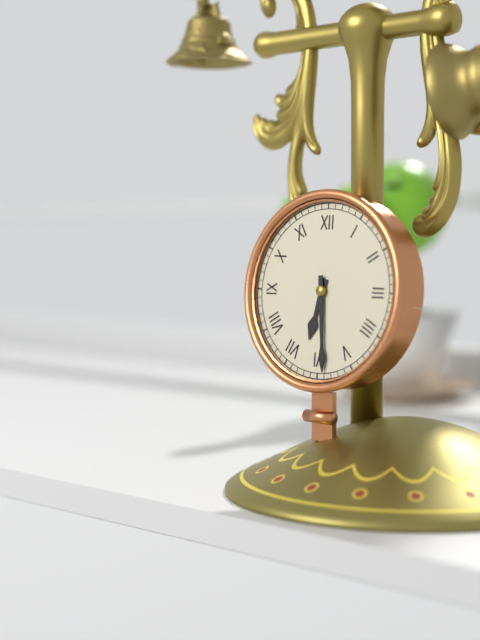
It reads **6:29**
